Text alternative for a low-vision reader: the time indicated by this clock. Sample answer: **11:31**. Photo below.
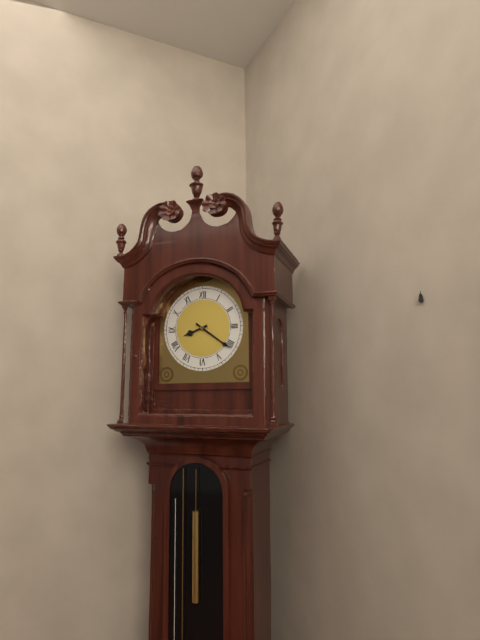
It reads **8:21**
